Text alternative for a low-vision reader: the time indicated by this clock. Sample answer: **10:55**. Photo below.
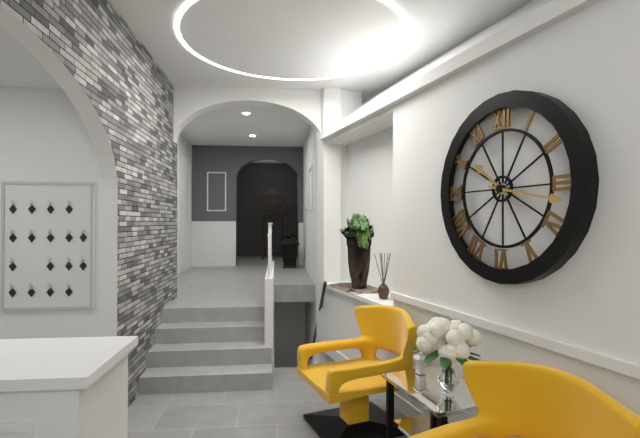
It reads **10:17**
